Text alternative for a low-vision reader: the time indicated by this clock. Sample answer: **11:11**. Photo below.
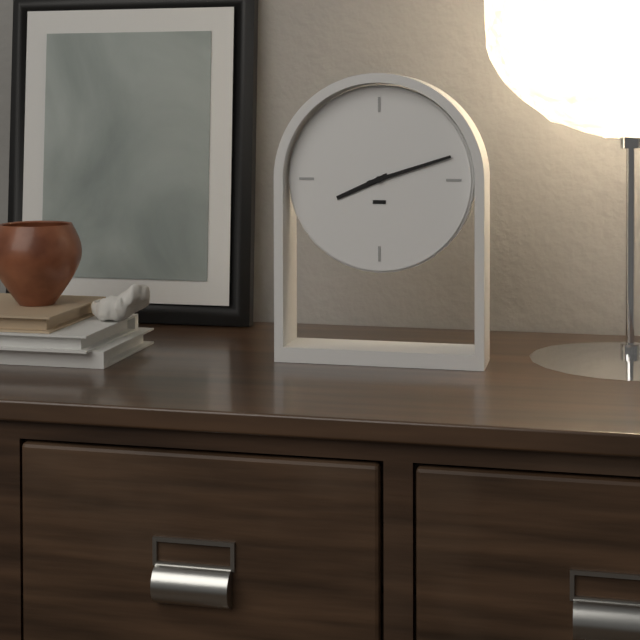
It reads **8:12**
